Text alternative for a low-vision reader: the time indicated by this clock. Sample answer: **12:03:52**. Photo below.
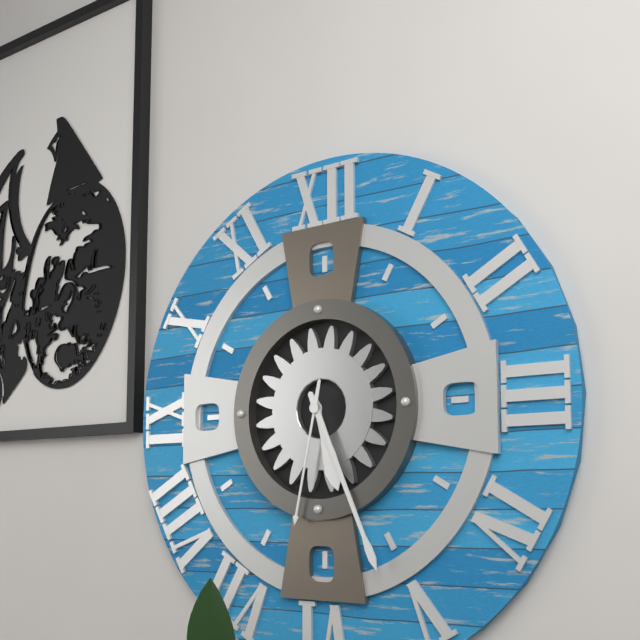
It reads **5:26:32**
